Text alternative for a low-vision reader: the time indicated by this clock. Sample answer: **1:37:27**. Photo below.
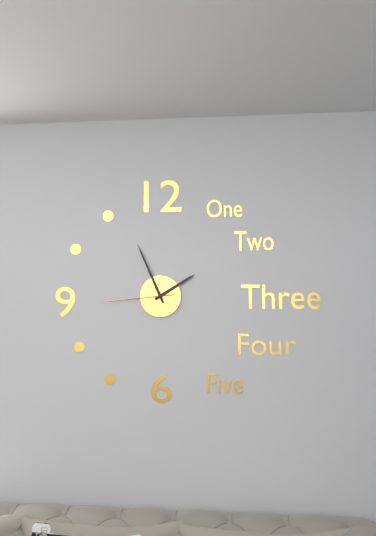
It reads **1:56:44**
